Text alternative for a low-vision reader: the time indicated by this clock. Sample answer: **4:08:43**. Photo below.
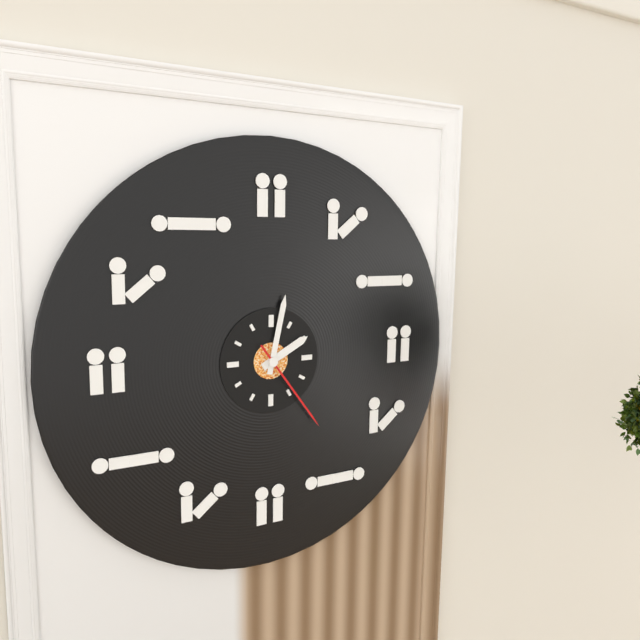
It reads **2:02:24**
